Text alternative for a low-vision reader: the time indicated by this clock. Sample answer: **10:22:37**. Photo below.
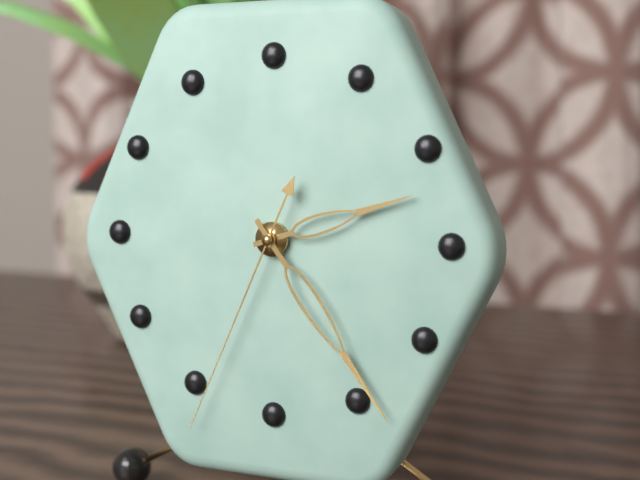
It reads **2:24:34**
